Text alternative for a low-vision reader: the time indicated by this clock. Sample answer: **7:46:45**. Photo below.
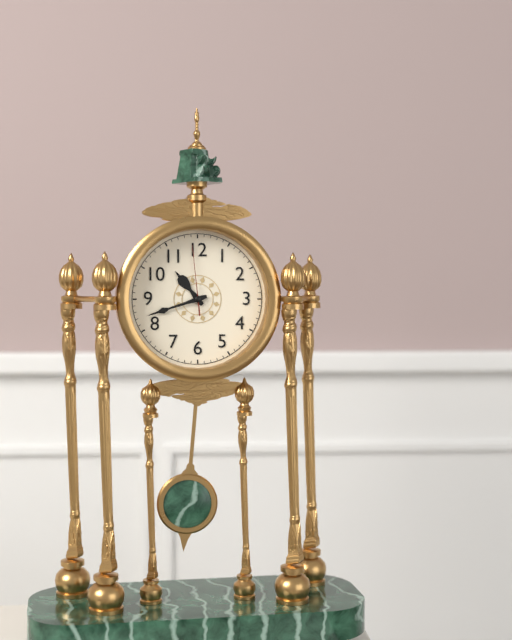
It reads **10:42:59**
